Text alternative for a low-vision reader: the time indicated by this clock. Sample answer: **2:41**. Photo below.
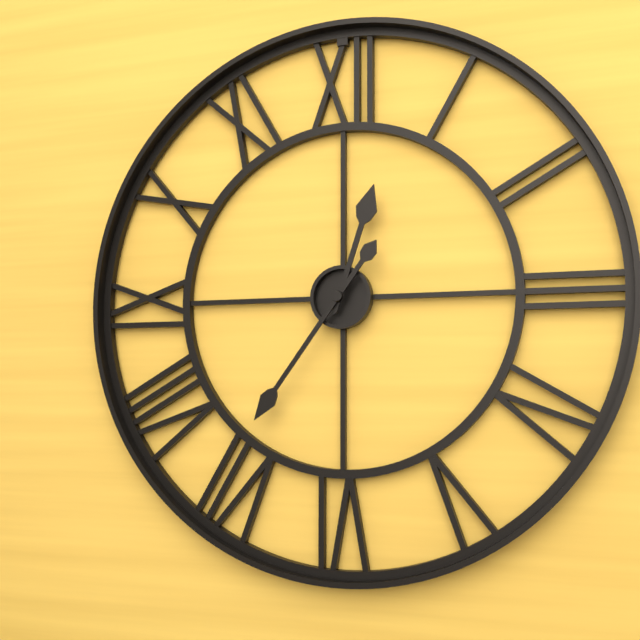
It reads **12:36**
